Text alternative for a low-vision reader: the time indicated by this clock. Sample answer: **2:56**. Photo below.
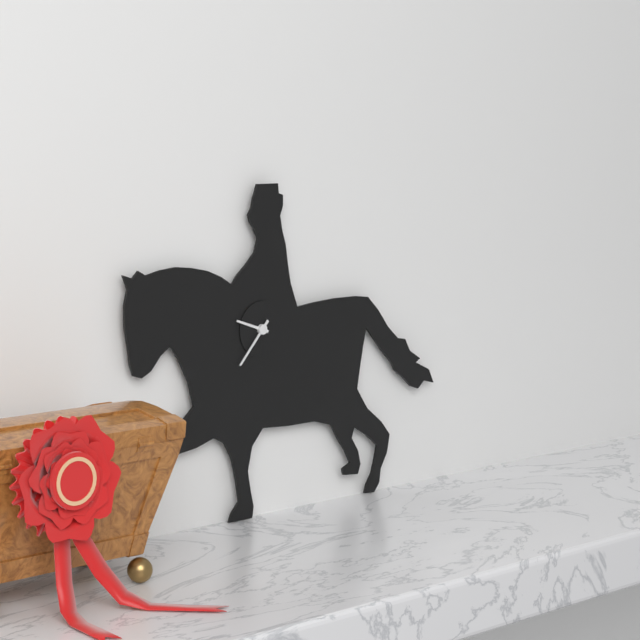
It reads **9:37**
